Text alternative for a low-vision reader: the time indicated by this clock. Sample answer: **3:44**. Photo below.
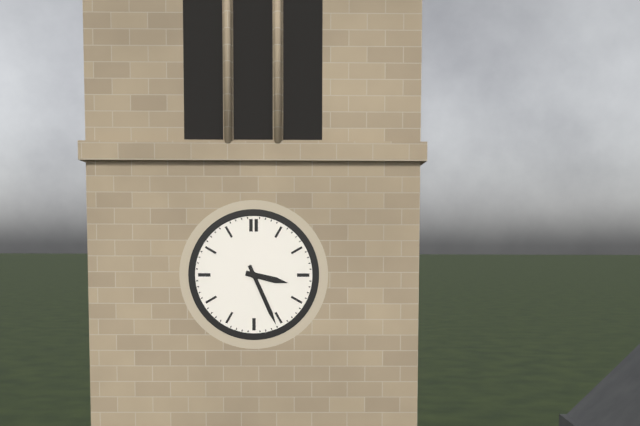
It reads **3:26**
